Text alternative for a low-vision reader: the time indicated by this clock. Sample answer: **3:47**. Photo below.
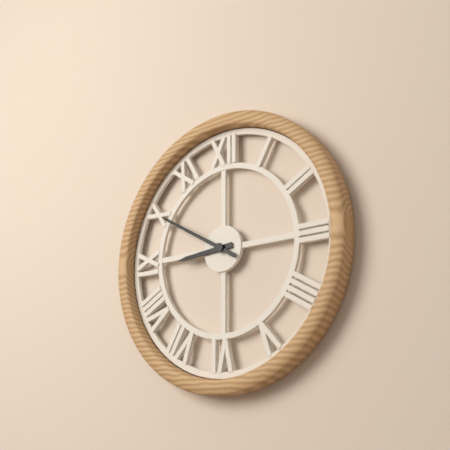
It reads **8:50**
